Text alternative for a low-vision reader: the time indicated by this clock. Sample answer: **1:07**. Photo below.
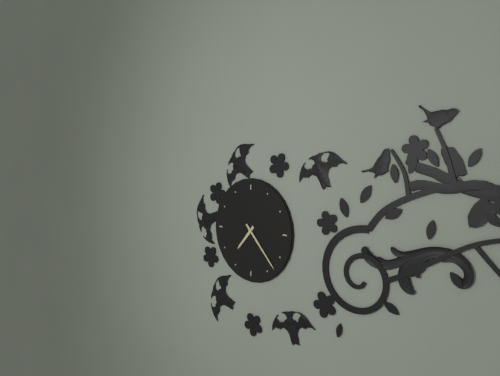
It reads **7:23**
